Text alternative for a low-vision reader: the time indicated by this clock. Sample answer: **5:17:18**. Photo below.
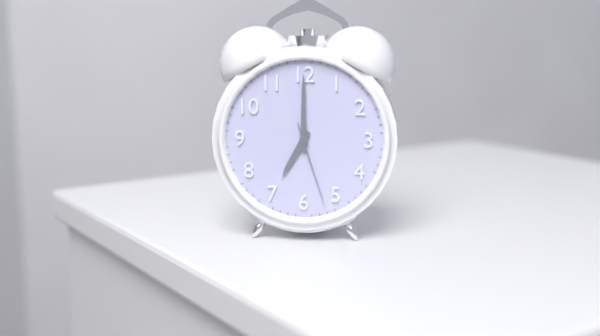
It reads **7:00:27**
